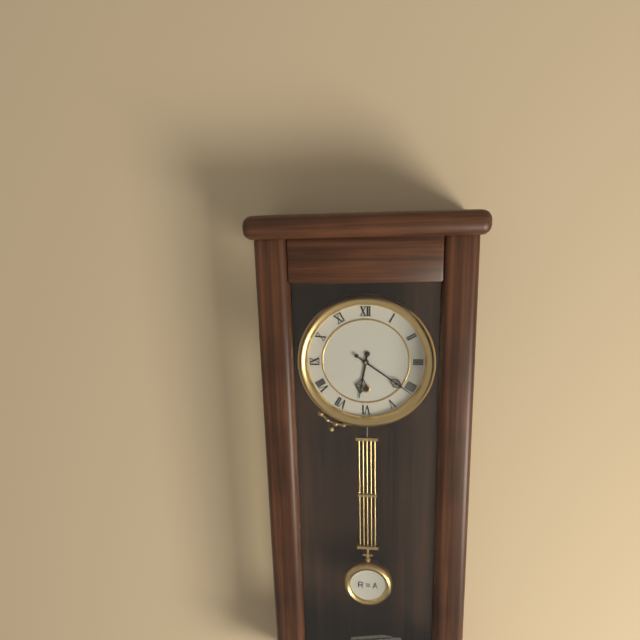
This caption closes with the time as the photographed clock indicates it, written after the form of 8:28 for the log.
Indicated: 6:21
